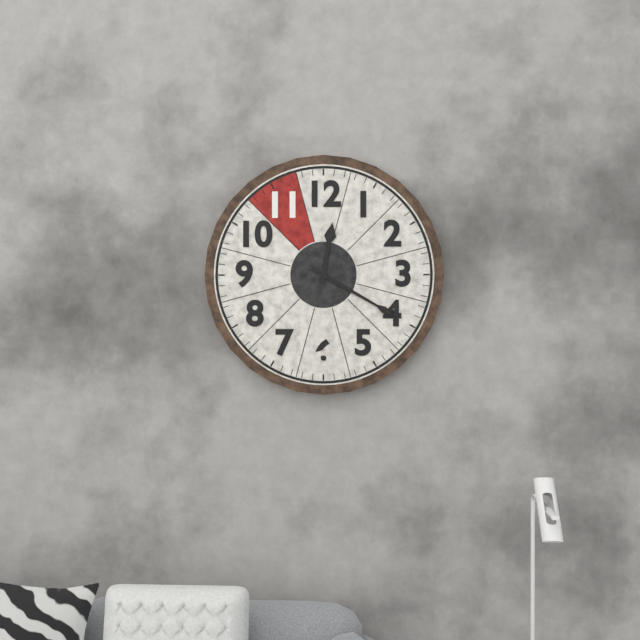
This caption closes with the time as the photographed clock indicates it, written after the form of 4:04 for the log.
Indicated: 12:20
